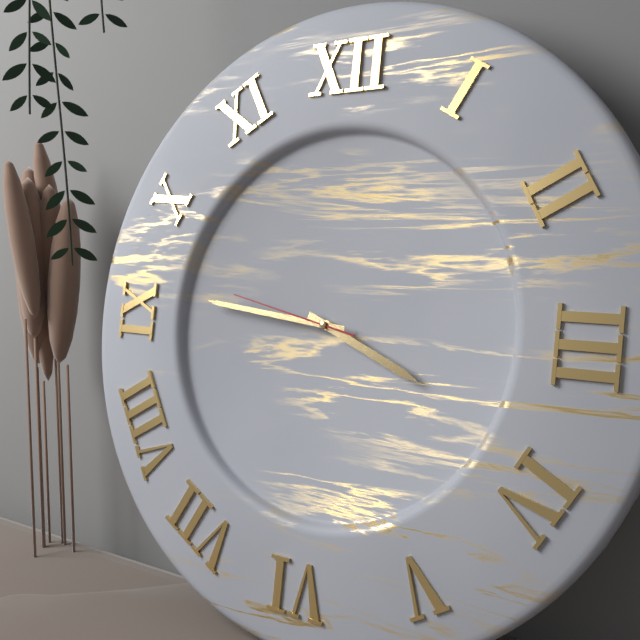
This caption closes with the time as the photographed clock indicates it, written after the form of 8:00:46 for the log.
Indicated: 3:46:47
